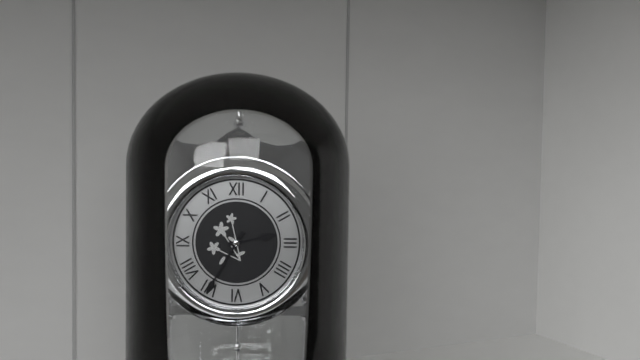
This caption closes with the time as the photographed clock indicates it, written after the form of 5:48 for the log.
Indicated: 2:35
